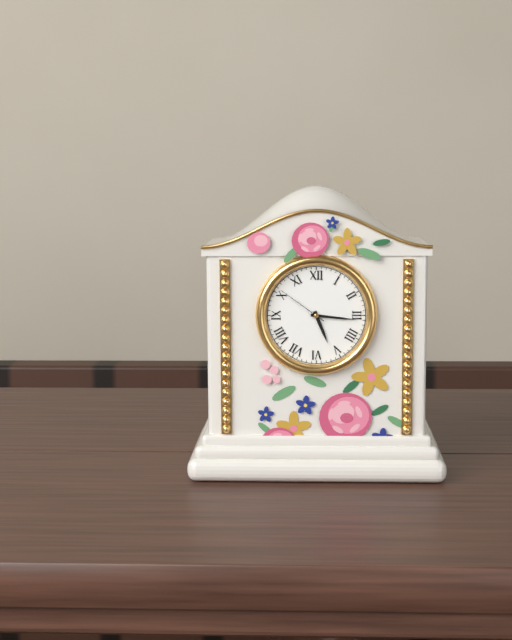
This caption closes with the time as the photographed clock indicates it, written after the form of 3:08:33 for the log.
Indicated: 5:16:51
